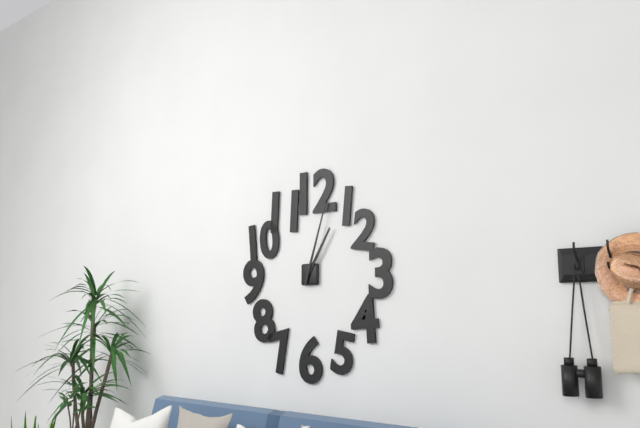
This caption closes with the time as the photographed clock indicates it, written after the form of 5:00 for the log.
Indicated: 1:03
